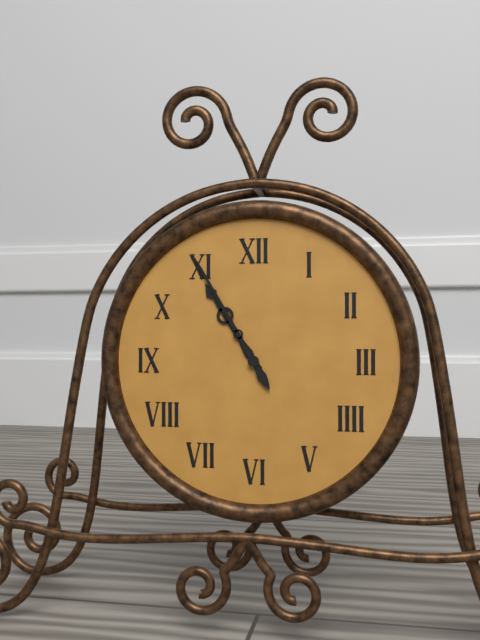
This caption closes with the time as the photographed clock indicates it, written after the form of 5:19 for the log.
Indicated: 10:55
